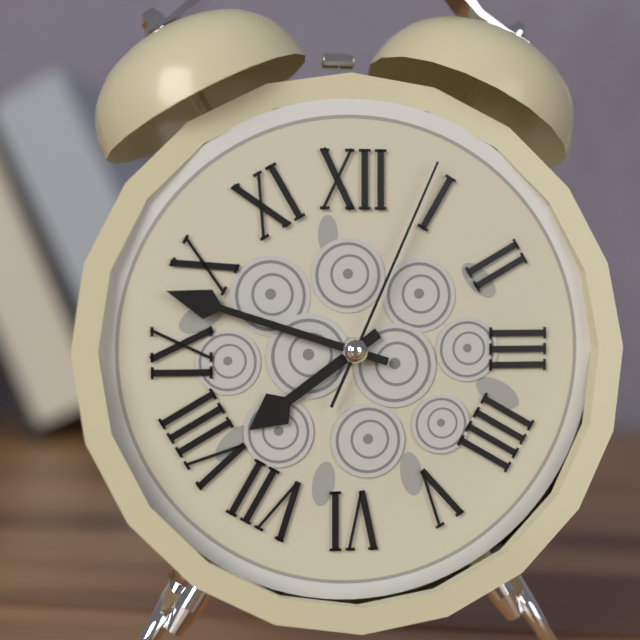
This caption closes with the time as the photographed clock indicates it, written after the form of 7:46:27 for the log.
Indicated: 7:48:04
